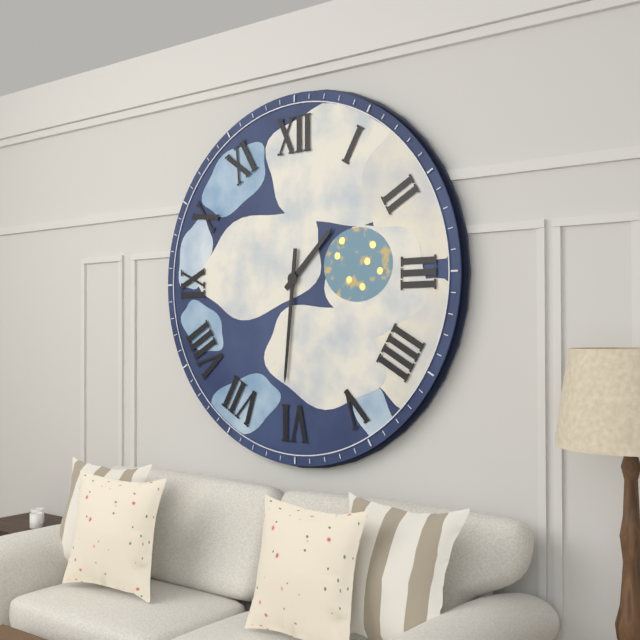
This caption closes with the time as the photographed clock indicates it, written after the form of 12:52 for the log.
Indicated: 1:31
